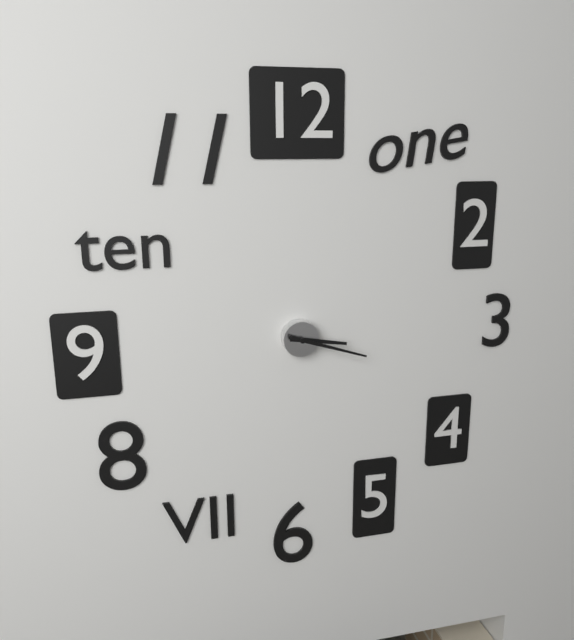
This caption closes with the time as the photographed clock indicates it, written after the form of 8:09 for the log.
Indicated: 3:18
